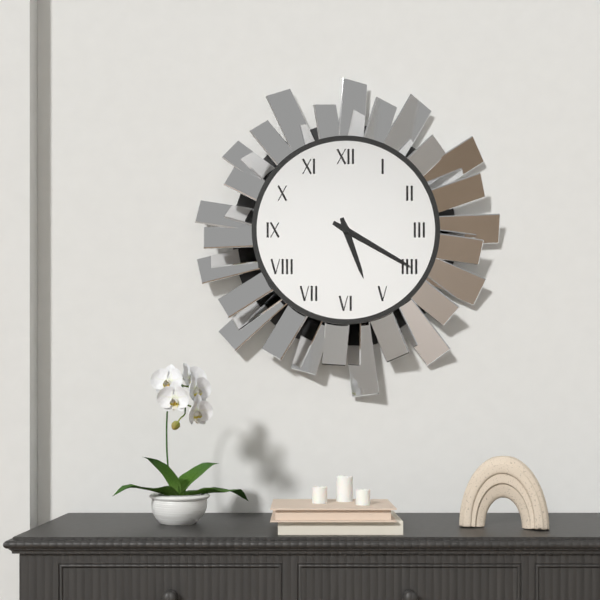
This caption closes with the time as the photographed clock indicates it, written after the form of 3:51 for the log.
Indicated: 5:20
